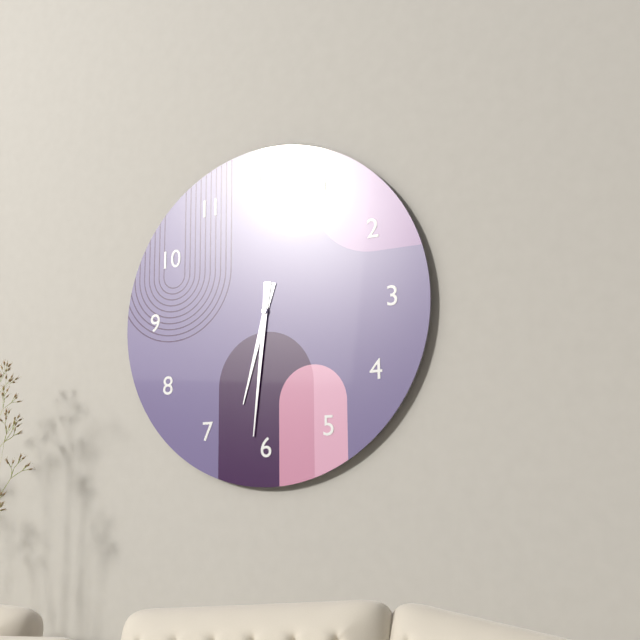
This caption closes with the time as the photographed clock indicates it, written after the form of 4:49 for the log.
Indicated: 6:31
